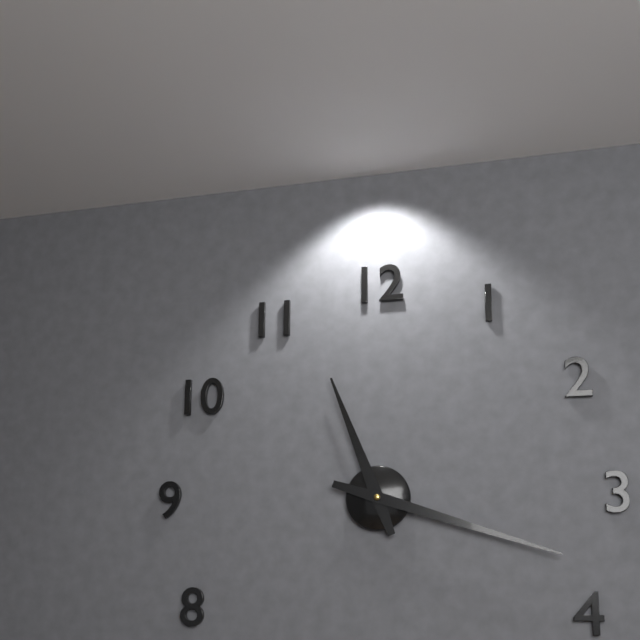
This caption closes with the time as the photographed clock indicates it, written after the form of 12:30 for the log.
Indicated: 11:18
